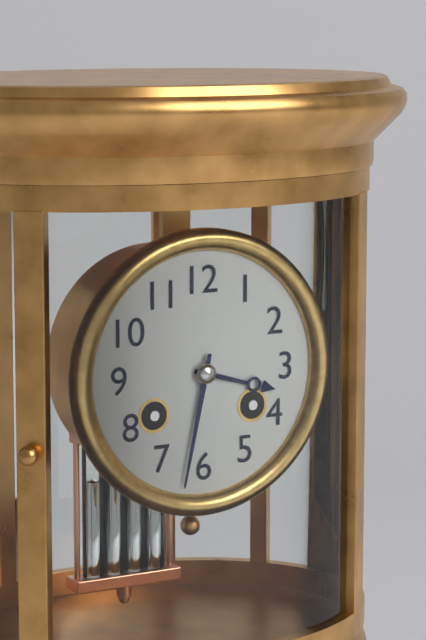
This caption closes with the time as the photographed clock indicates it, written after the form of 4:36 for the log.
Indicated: 3:32
